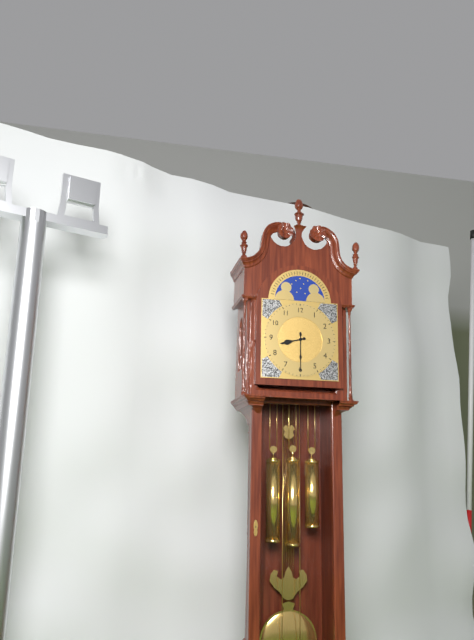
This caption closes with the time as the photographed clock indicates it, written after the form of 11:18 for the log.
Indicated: 8:30
